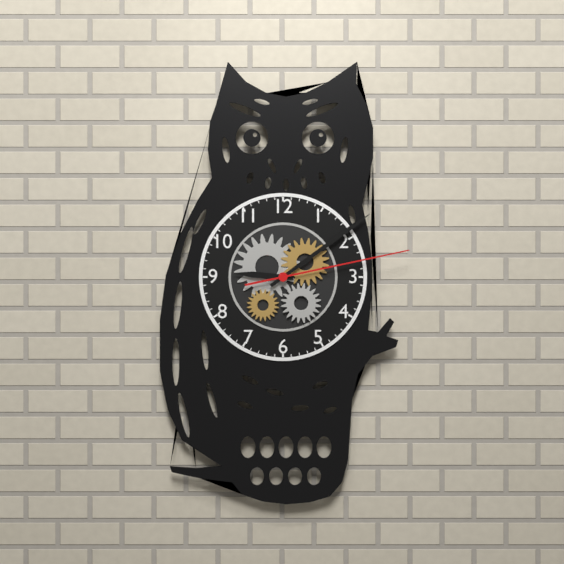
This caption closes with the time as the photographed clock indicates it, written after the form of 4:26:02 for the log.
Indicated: 9:09:13
